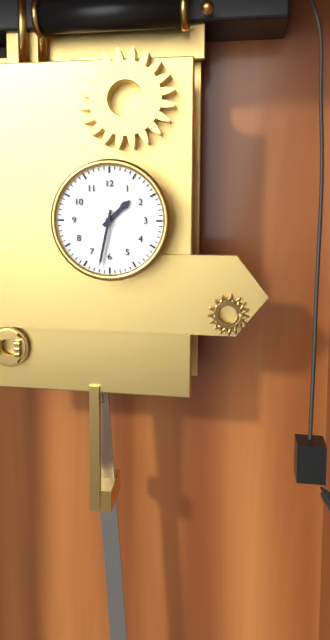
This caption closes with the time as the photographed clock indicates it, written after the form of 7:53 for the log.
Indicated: 1:32
